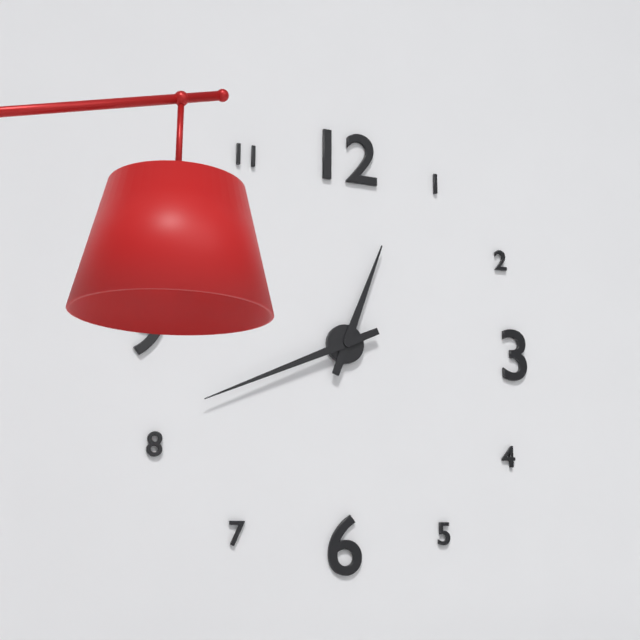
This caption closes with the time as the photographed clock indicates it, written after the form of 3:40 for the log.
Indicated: 12:41
